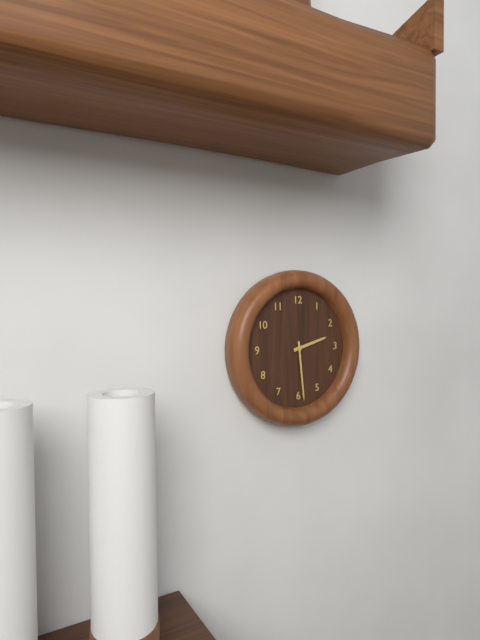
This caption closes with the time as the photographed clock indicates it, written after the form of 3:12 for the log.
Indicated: 2:29
